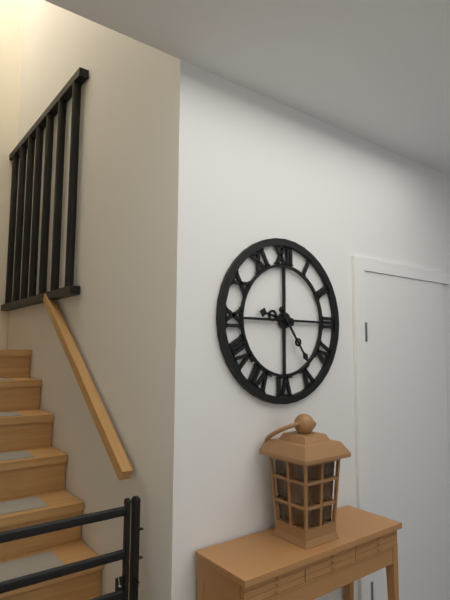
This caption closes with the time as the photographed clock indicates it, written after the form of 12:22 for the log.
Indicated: 9:24
